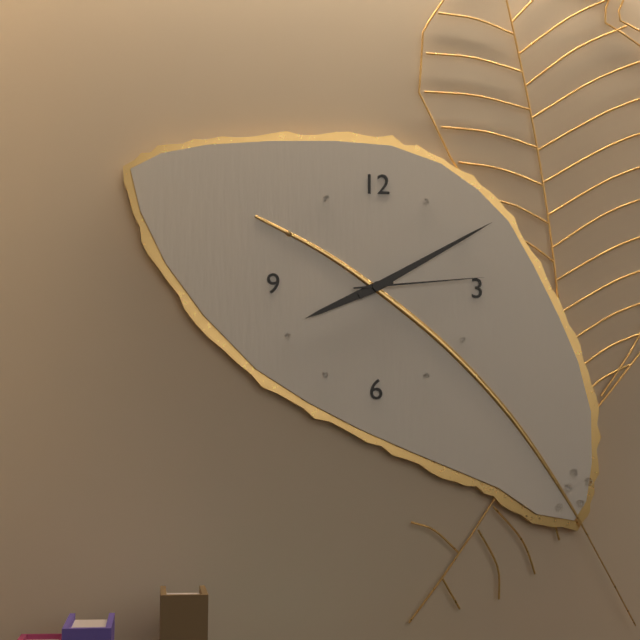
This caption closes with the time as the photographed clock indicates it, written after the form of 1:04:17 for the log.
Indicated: 8:10:14
